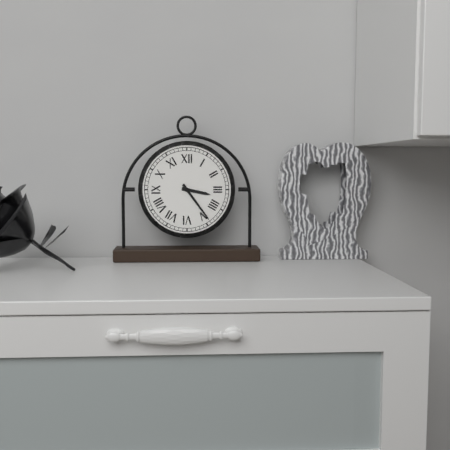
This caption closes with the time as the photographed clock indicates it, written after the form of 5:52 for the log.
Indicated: 3:24
